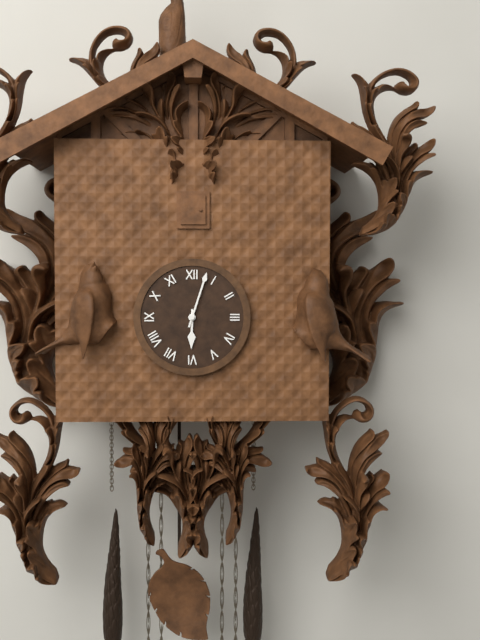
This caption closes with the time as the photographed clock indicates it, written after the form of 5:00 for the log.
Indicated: 6:03
